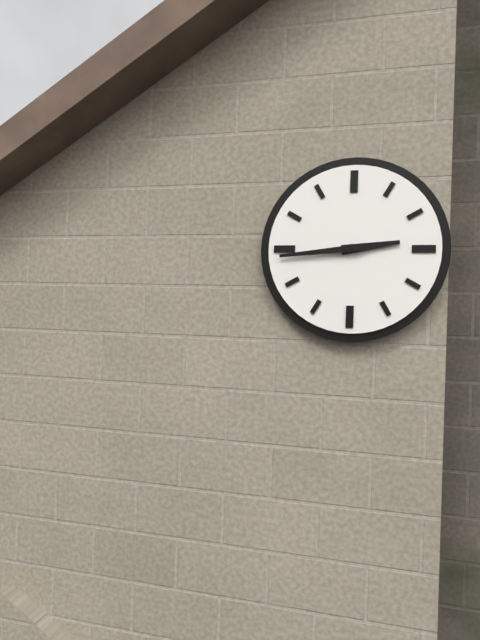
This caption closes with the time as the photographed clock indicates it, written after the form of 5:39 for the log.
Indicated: 2:44
